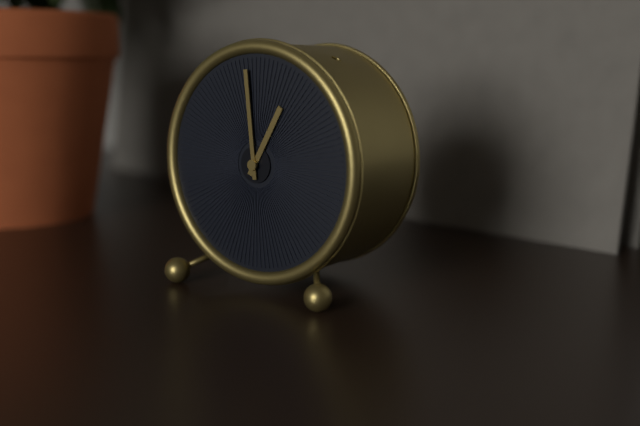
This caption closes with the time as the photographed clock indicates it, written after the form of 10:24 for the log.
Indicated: 12:59
